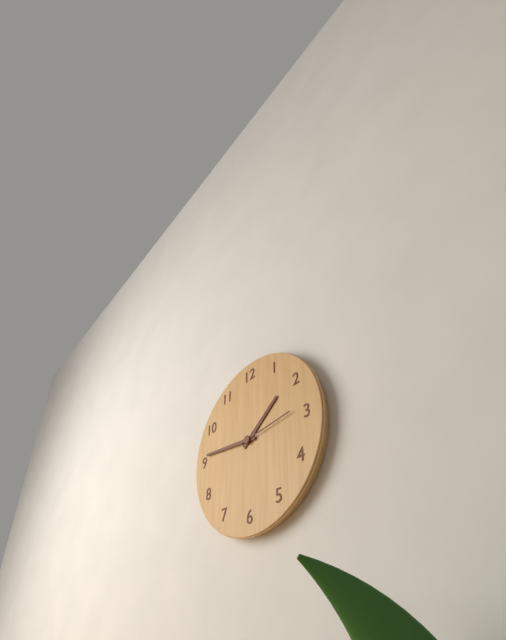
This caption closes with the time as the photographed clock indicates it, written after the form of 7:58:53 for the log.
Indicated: 1:46:14
